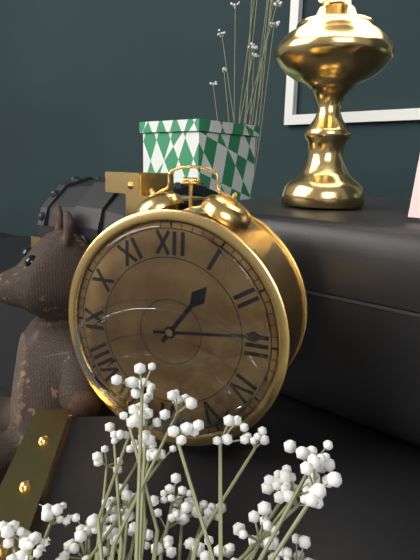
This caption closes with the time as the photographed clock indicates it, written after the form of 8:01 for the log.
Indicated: 1:14
